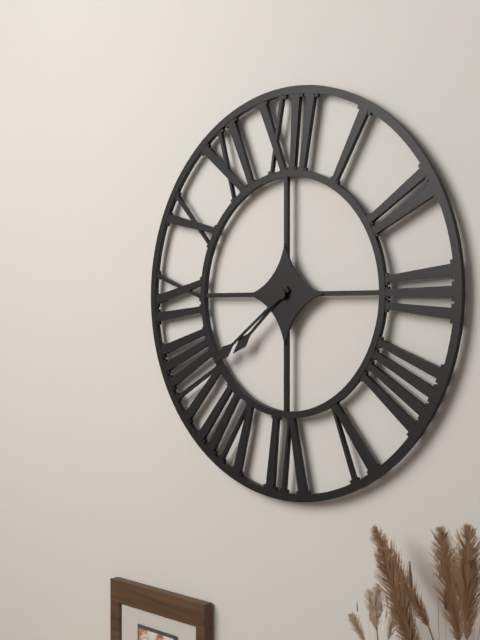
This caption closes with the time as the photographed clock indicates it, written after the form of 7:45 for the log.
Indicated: 7:39
